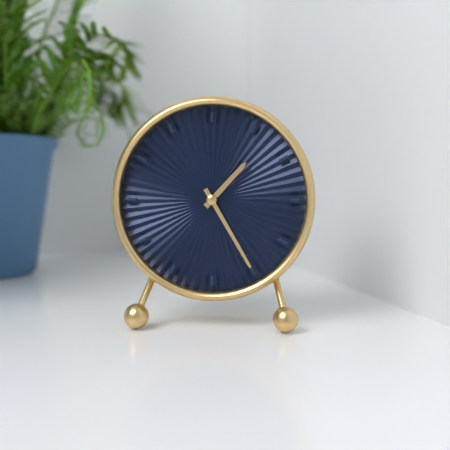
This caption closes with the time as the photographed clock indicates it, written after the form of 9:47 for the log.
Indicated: 1:25
